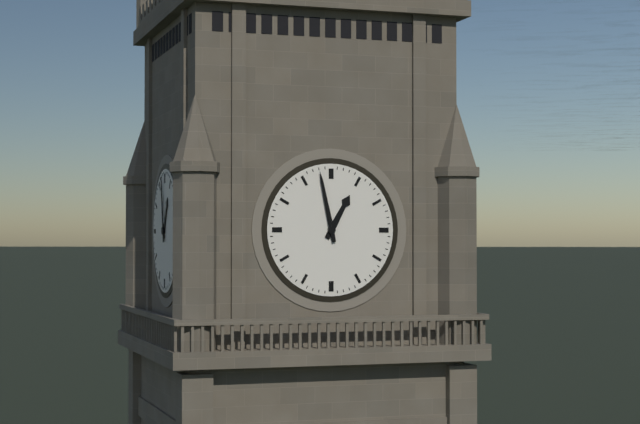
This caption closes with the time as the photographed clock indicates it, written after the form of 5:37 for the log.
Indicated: 12:58
